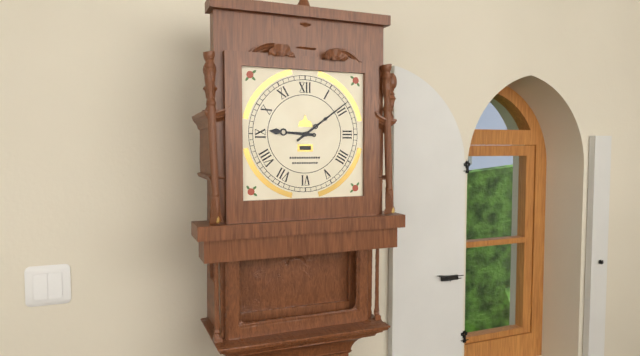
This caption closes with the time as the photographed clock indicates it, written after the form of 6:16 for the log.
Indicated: 9:09
